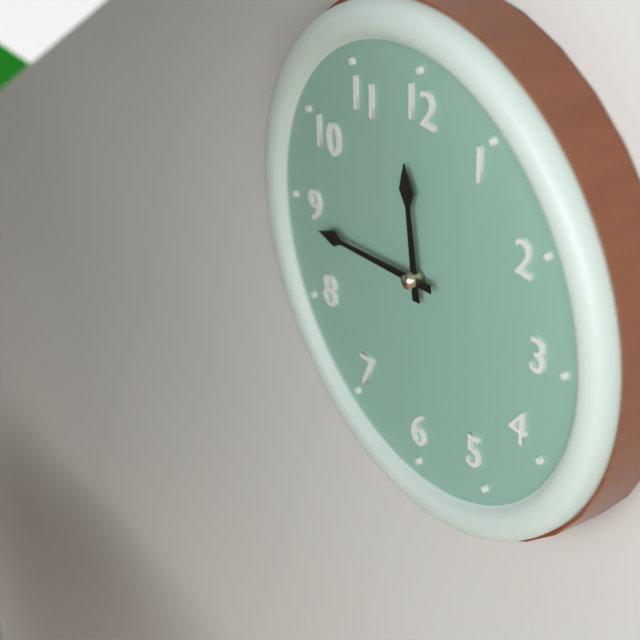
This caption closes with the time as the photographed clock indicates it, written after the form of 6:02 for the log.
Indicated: 11:44
